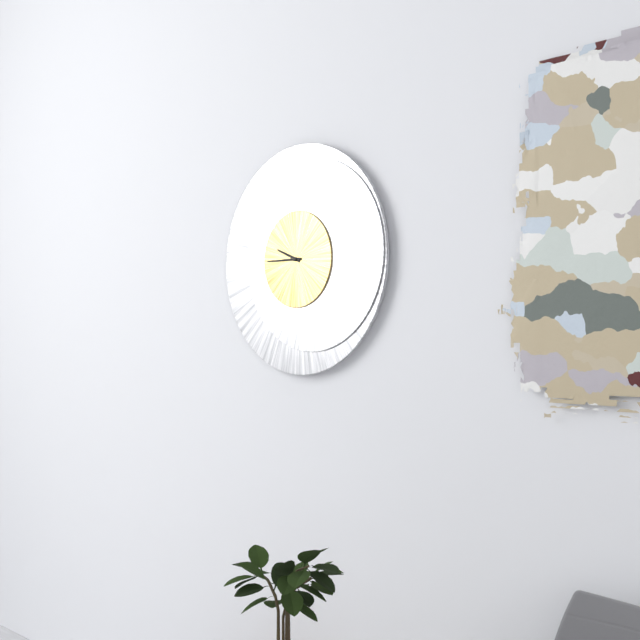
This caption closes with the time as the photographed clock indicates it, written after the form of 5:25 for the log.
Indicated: 9:45
